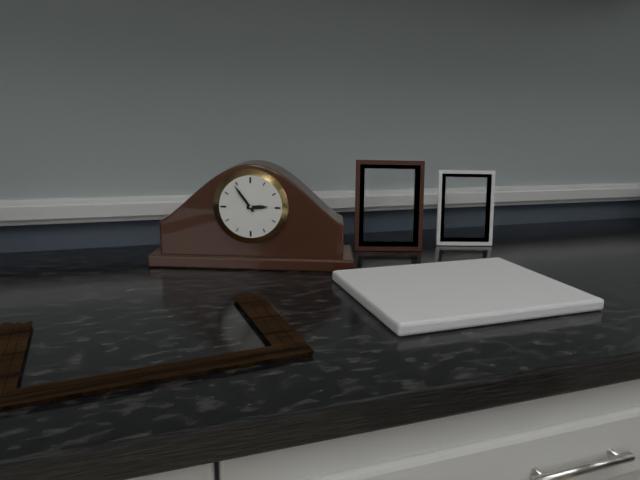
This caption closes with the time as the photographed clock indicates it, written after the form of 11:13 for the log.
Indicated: 2:54
